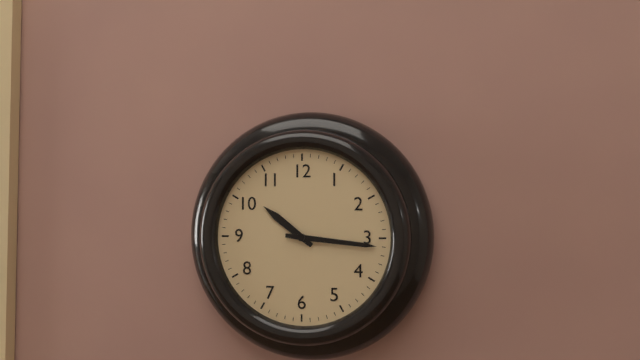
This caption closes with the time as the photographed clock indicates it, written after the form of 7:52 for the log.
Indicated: 10:16
